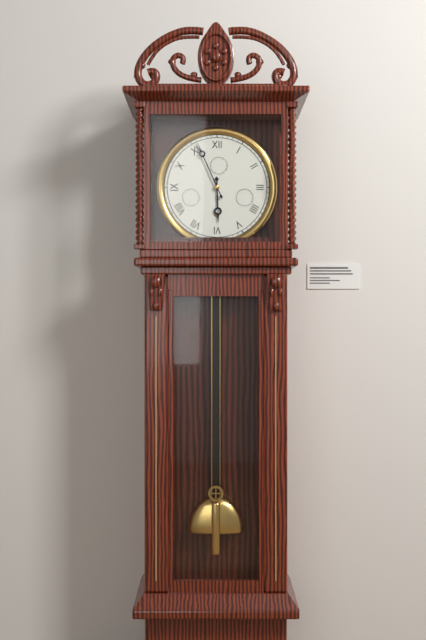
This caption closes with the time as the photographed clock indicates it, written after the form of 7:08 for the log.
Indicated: 5:56
